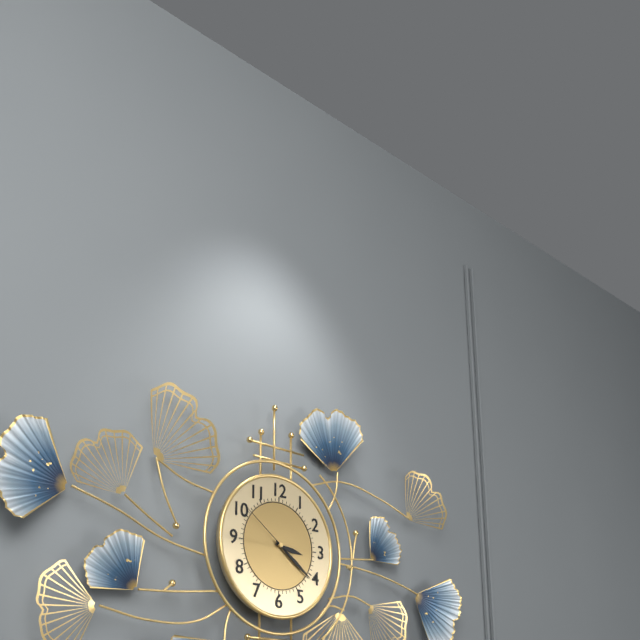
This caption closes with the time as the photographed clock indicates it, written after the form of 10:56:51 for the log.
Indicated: 3:21:51
